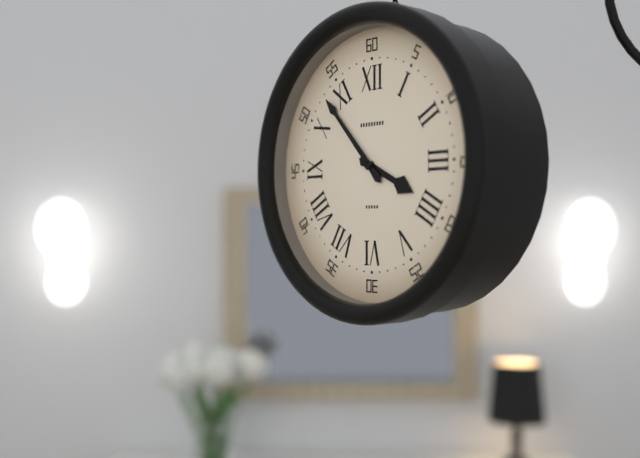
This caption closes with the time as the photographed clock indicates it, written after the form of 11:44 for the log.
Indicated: 3:53
